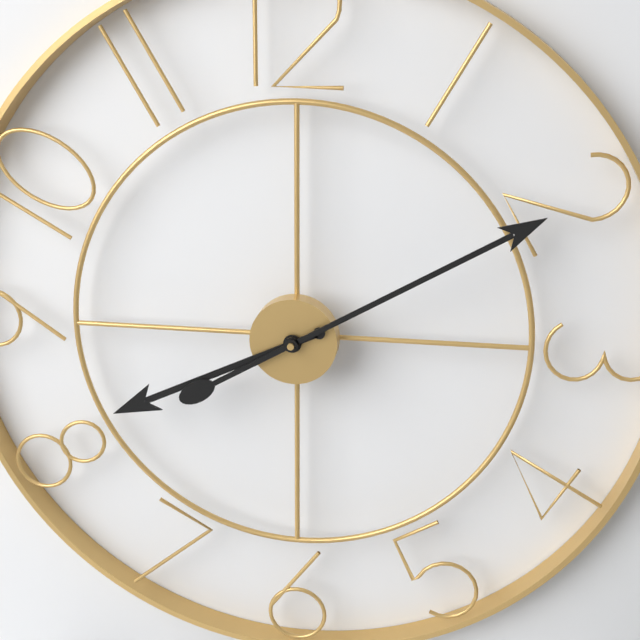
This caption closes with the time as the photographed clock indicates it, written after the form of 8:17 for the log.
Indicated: 8:10
